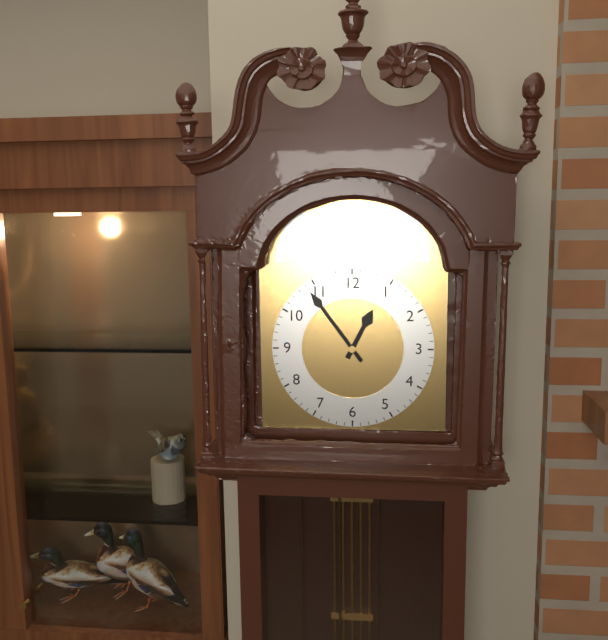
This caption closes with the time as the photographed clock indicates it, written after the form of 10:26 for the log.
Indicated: 12:54
